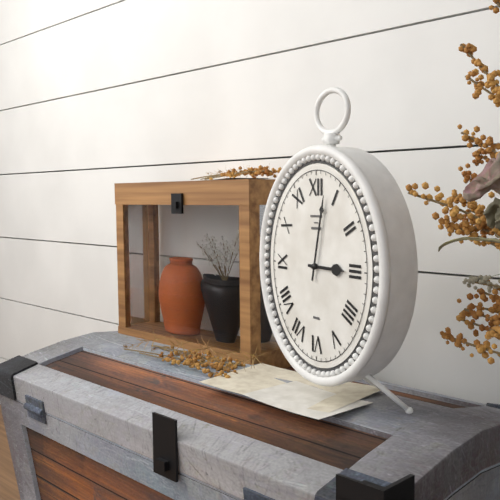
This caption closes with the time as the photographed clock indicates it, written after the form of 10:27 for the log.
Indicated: 3:02
